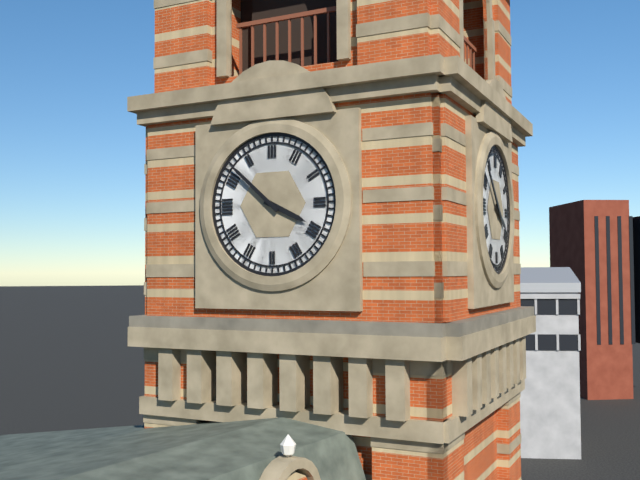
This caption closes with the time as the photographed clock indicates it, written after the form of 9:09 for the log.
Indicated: 3:52
